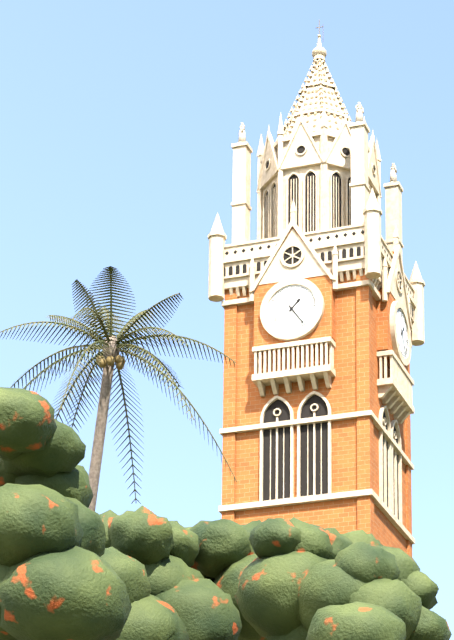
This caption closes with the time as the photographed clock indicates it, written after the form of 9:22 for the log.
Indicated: 1:24
